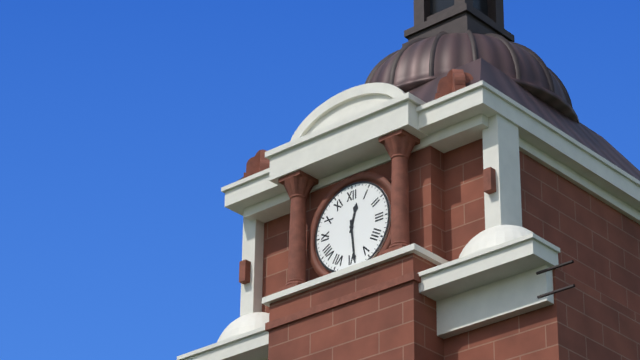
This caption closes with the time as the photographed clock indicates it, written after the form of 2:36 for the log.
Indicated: 12:29
